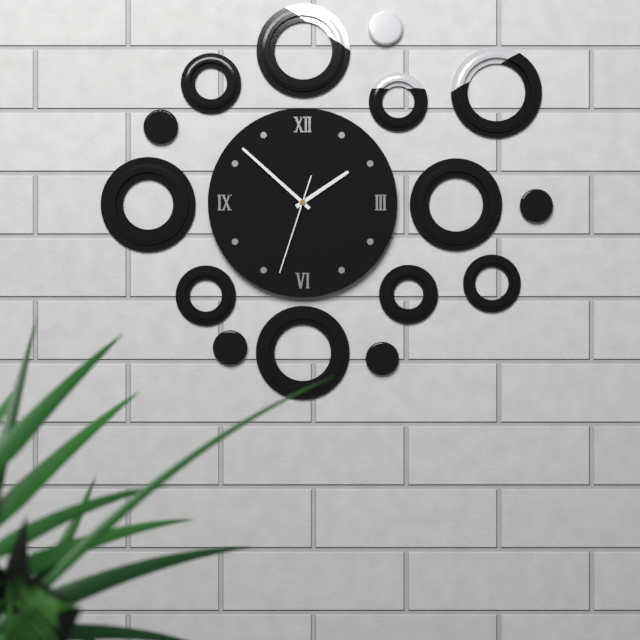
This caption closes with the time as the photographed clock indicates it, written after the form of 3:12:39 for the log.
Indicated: 1:52:33
